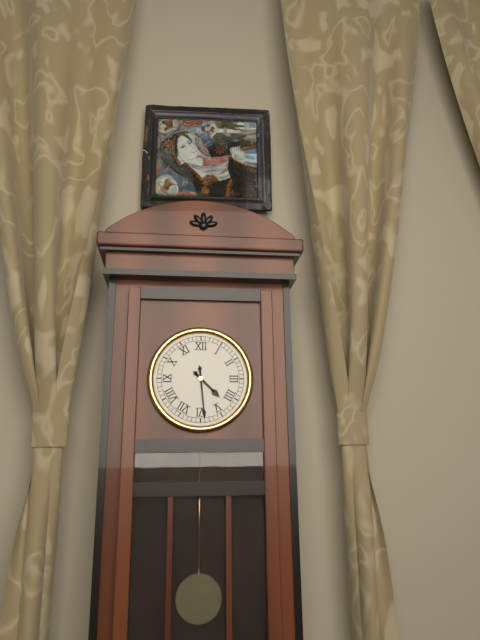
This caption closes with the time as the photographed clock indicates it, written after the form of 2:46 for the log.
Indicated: 4:29
